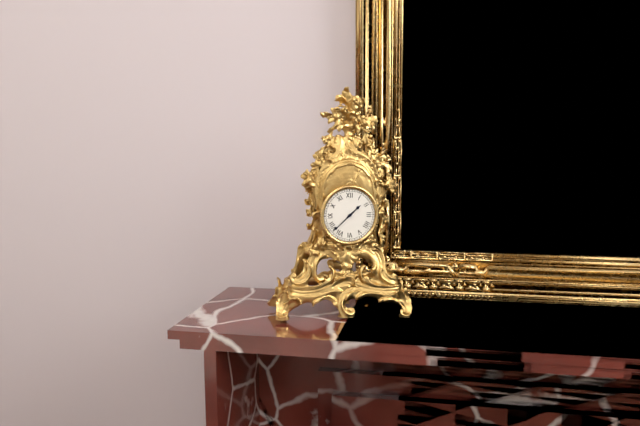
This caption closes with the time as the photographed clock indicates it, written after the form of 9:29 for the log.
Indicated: 1:38
